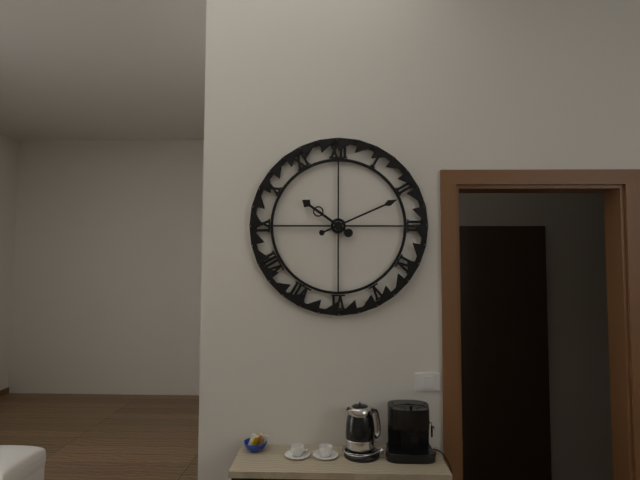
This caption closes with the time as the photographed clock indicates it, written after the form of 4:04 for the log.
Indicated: 10:11
